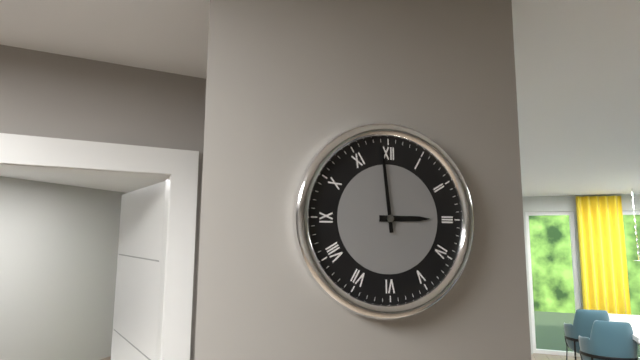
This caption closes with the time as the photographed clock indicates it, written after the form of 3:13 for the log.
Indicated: 2:59
